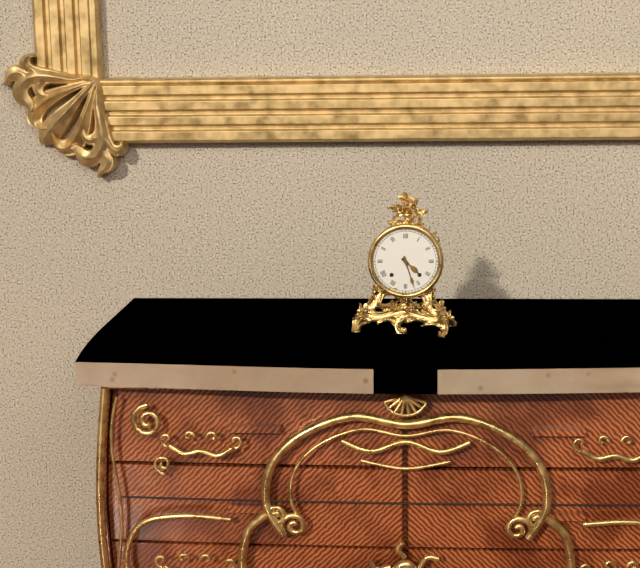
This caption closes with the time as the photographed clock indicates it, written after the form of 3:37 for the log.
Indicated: 4:27
